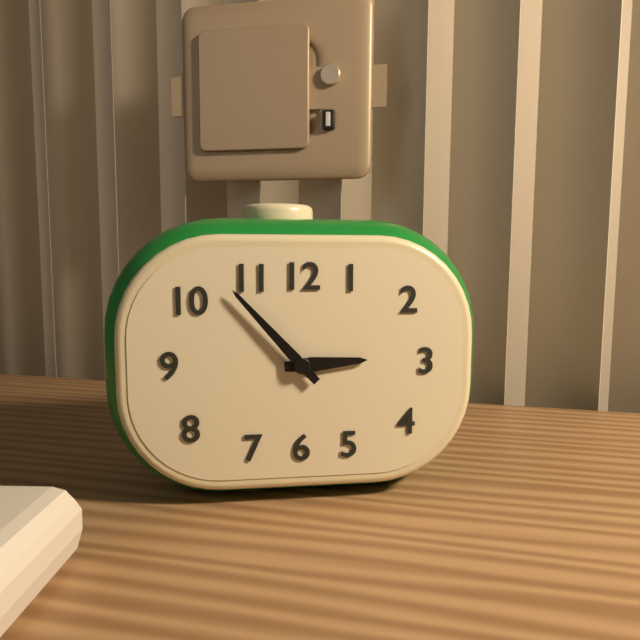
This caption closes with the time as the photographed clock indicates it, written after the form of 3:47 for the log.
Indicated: 2:53
